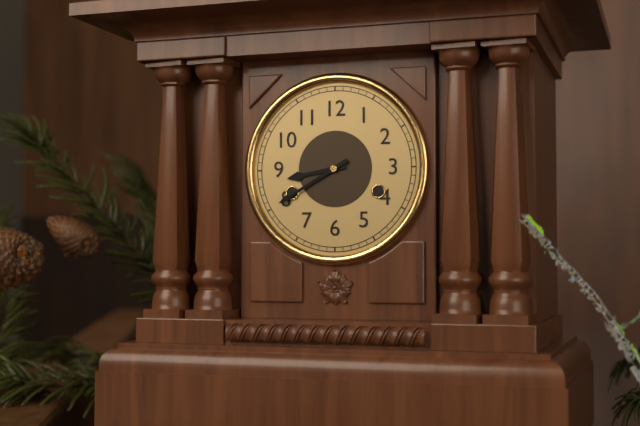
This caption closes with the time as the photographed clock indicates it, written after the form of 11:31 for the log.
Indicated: 8:40
